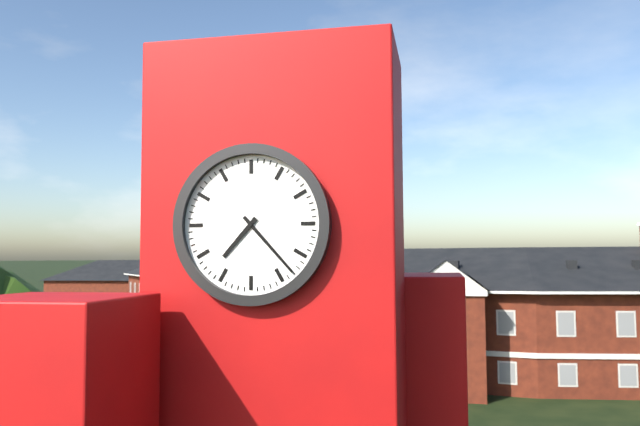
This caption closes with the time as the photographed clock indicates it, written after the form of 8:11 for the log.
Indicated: 7:23
